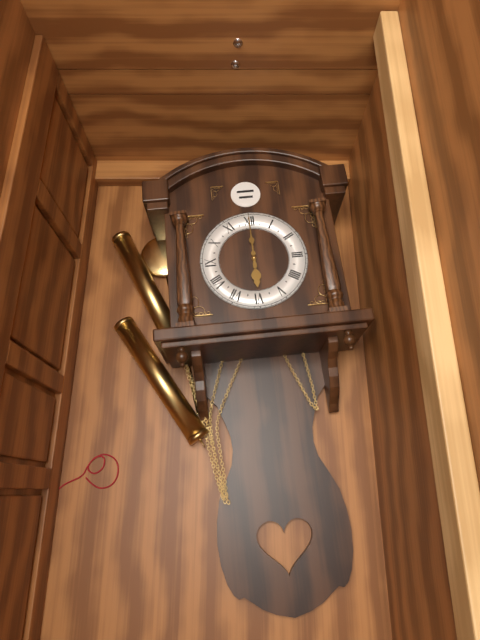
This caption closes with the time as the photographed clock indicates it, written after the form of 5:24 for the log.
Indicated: 6:00
